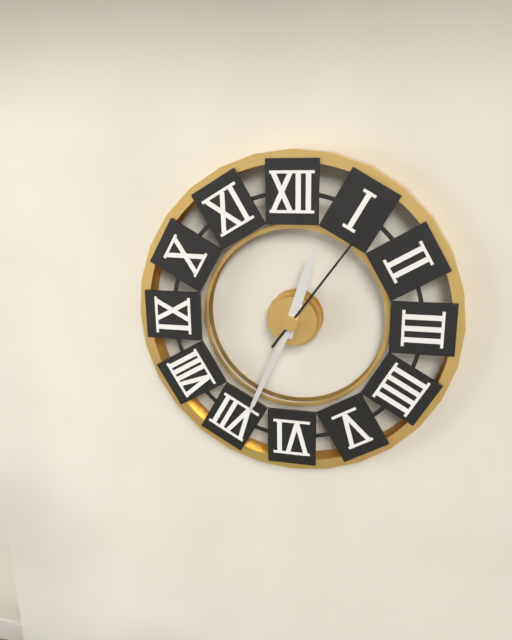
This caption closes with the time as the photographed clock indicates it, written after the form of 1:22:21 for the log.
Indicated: 12:34:06
